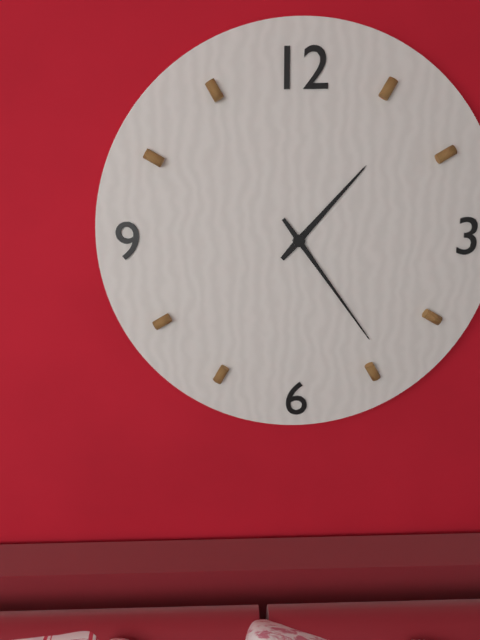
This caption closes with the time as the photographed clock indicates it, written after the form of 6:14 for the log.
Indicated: 1:24
